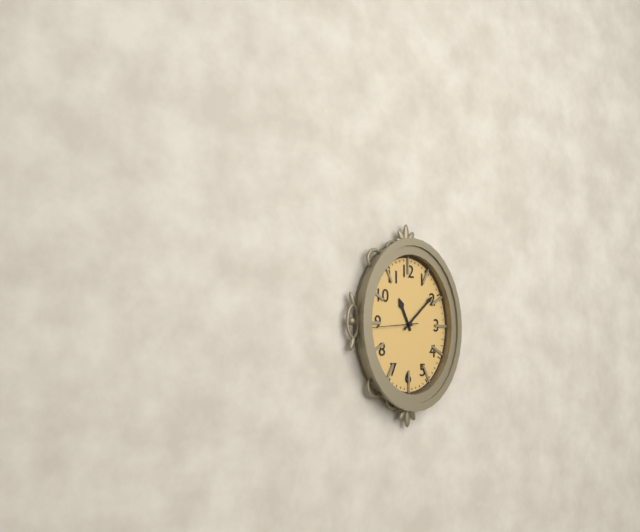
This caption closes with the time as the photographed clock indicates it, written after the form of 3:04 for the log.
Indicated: 11:08
